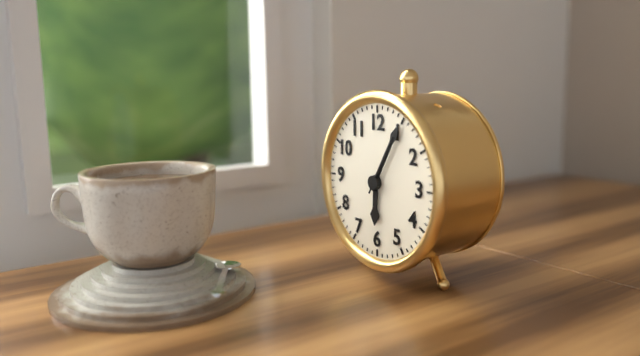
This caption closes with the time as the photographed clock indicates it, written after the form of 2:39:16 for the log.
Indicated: 6:05:05
